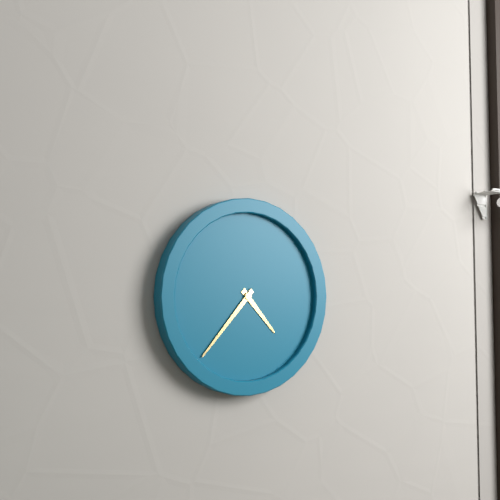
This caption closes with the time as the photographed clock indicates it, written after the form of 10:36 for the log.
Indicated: 4:37
